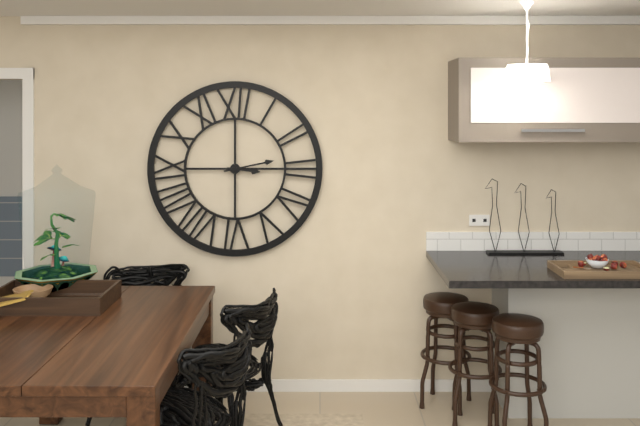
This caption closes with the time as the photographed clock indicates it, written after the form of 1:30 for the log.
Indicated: 3:13
